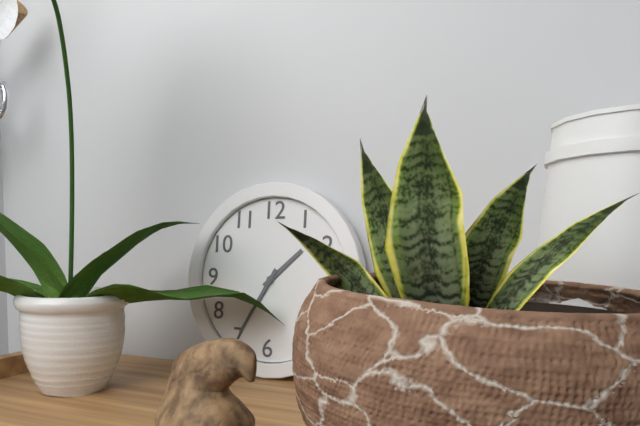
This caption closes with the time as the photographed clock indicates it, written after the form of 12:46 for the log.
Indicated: 1:35
